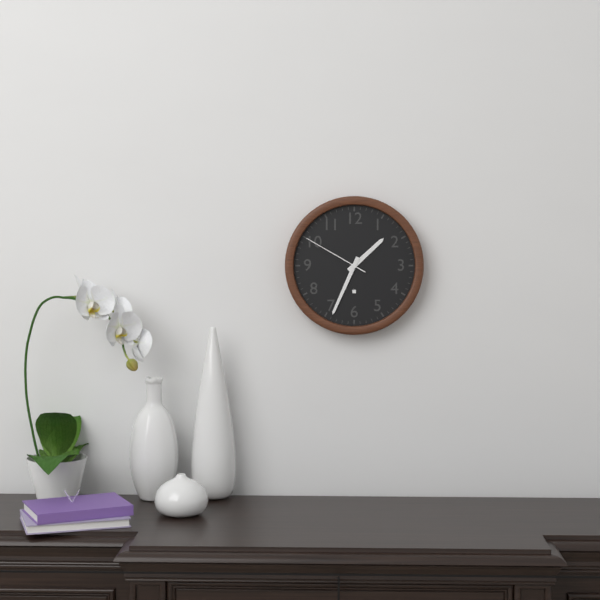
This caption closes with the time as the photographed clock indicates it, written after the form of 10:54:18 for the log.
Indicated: 1:34:50
